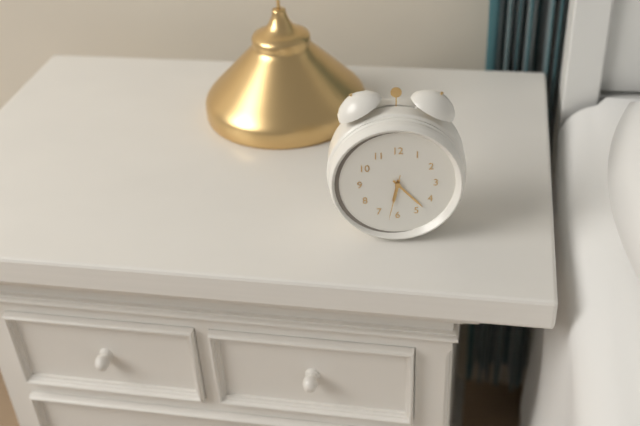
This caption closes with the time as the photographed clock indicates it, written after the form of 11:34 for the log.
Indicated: 6:23
